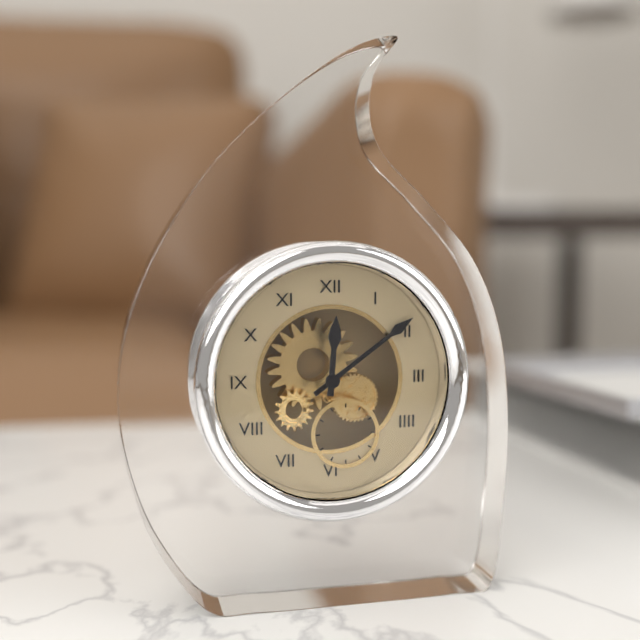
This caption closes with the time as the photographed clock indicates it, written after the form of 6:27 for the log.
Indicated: 12:09
